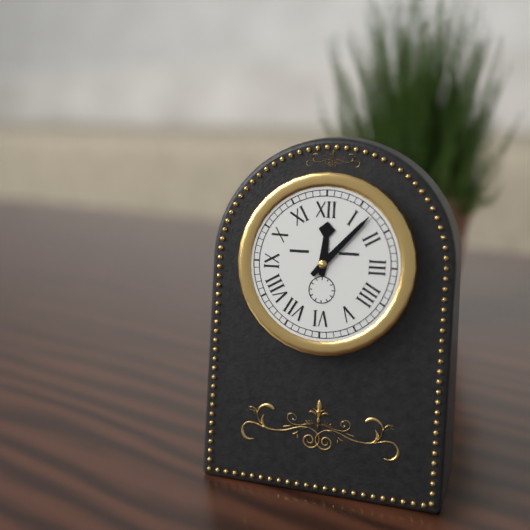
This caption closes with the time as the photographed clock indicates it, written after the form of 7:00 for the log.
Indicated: 12:07
